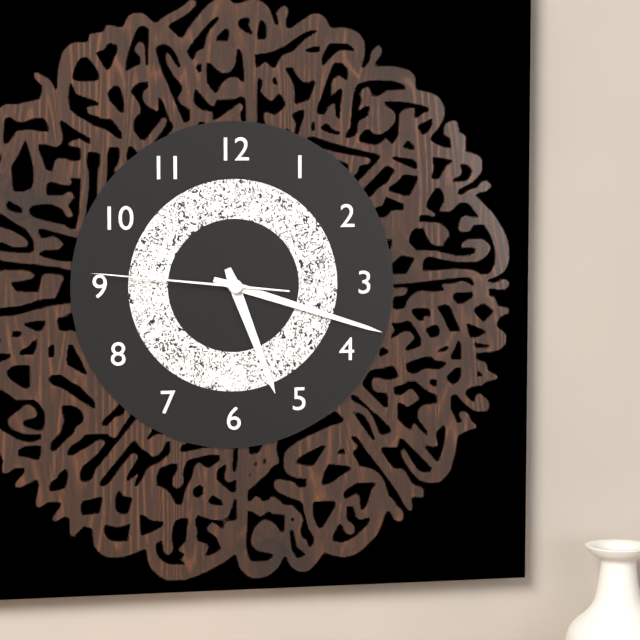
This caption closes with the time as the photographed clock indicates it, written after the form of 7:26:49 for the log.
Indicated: 5:18:46
